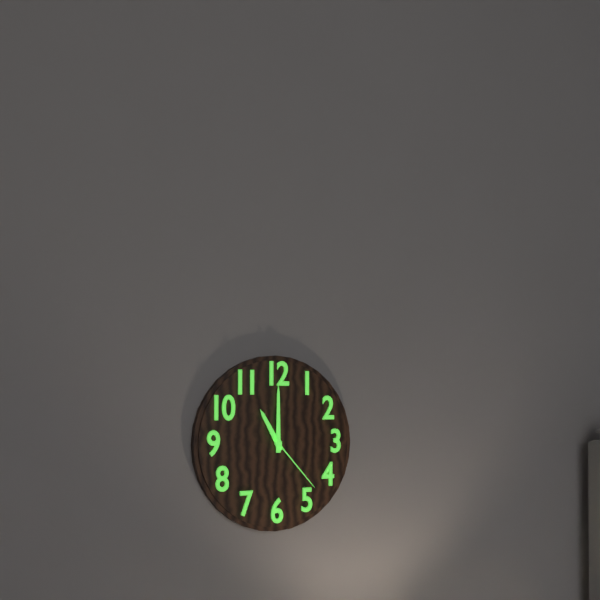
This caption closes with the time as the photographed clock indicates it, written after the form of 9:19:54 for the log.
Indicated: 11:00:23
